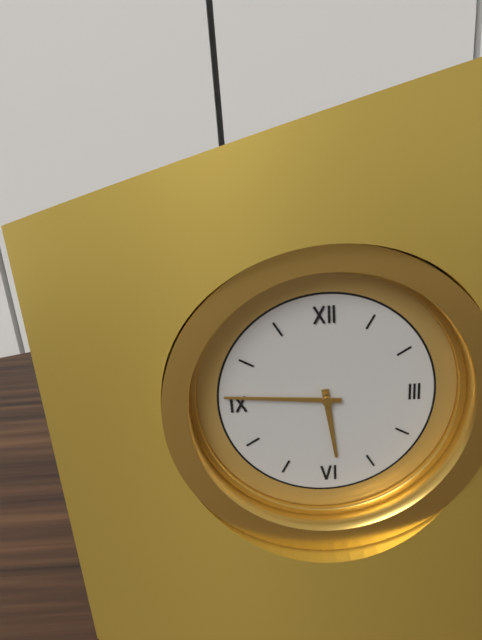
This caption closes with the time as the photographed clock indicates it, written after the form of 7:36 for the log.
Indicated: 5:46
